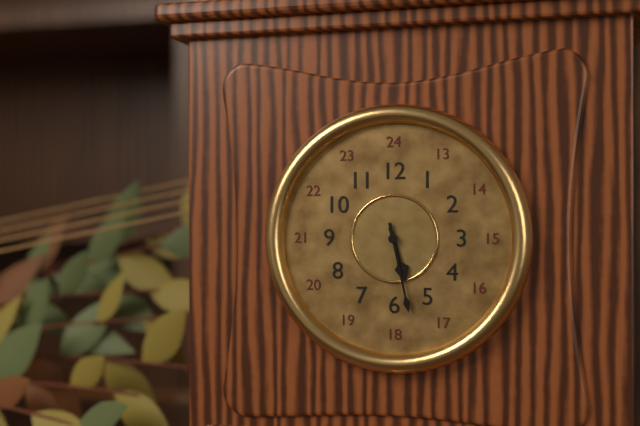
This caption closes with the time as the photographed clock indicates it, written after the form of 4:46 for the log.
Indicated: 5:28
